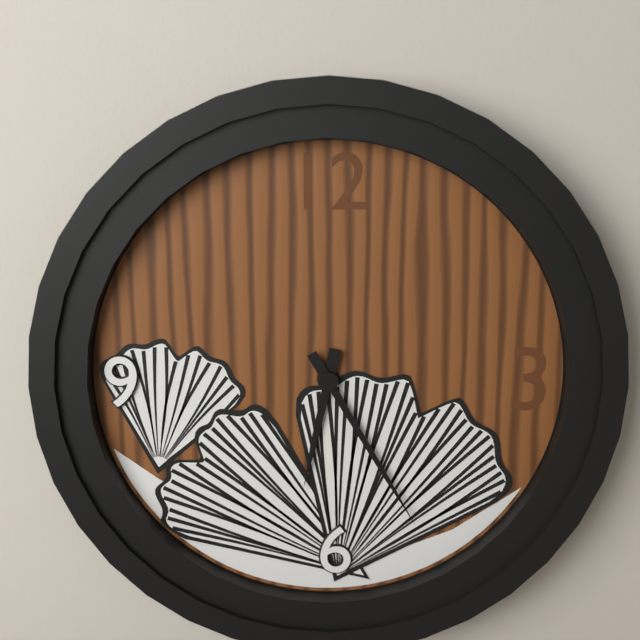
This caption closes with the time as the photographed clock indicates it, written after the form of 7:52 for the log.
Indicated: 6:25
